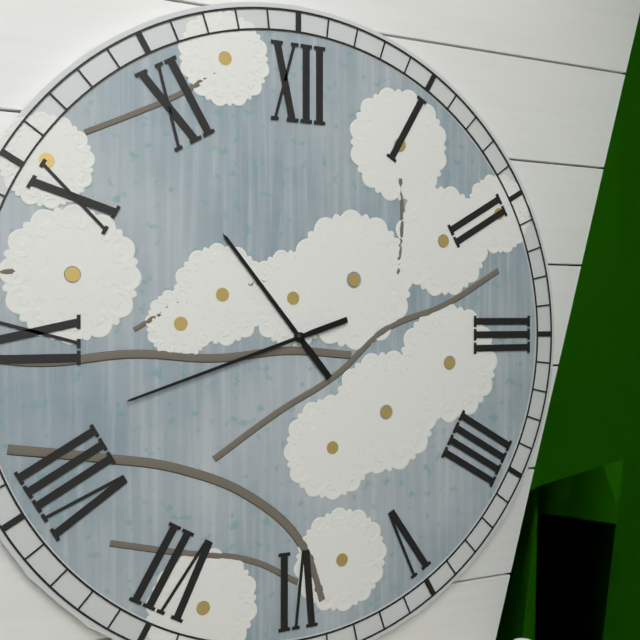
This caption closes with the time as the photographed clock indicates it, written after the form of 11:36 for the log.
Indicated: 10:42
